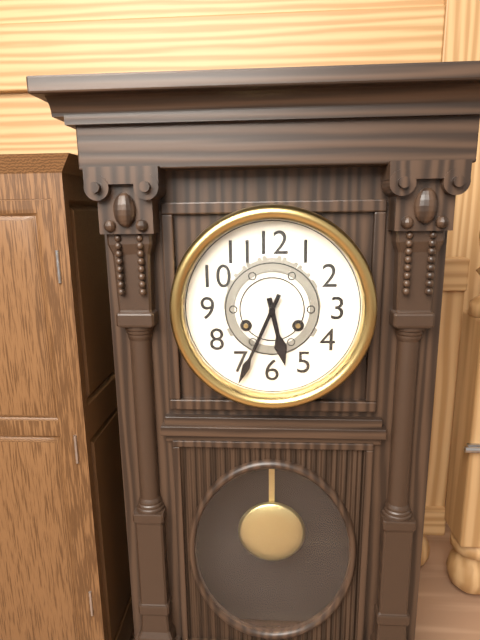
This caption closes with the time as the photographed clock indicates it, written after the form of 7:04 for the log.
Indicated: 5:34
